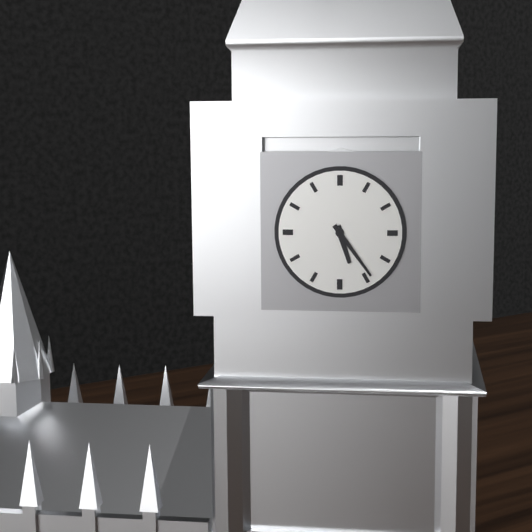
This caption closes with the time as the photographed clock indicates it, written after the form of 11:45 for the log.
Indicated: 5:24
